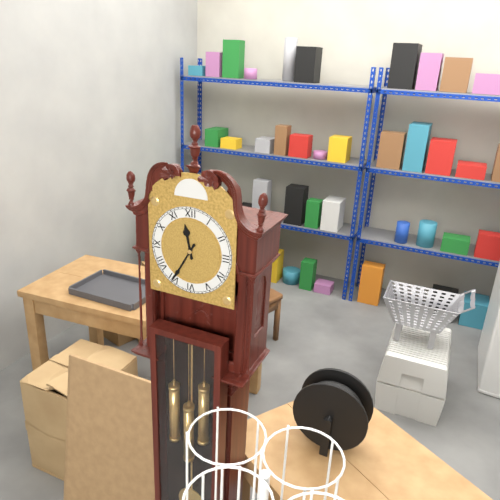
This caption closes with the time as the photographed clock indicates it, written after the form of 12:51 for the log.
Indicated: 11:35
